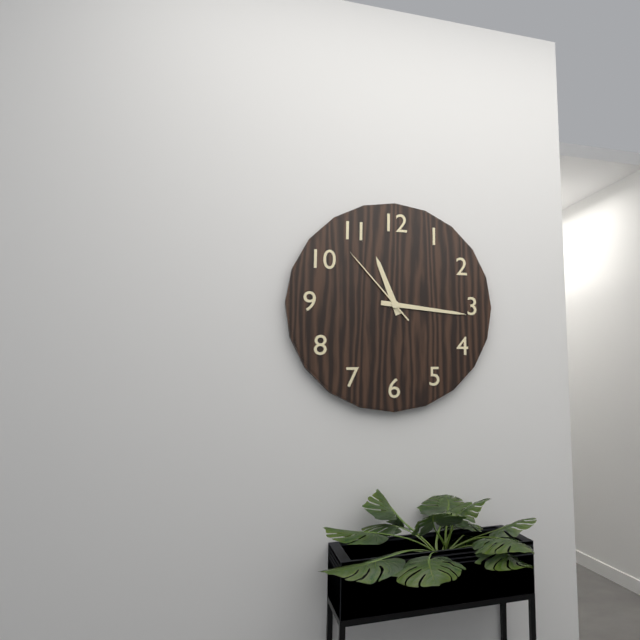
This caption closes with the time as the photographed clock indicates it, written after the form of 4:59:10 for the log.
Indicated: 11:16:53
